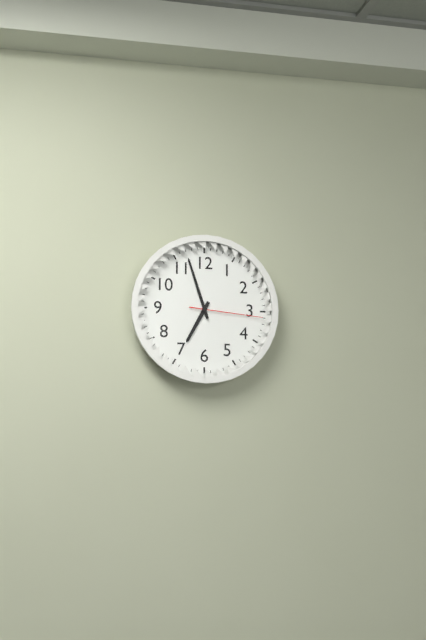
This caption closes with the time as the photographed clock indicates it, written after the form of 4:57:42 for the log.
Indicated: 6:57:16
